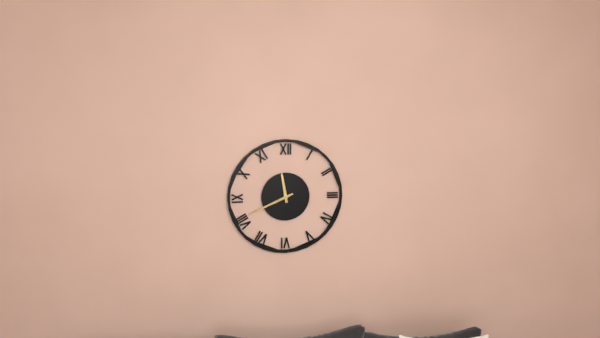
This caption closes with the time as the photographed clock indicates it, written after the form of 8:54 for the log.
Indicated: 11:41
